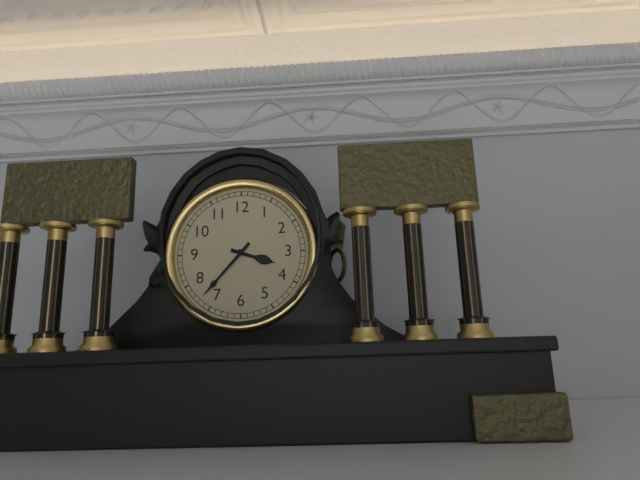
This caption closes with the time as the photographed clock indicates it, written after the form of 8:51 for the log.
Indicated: 3:37
